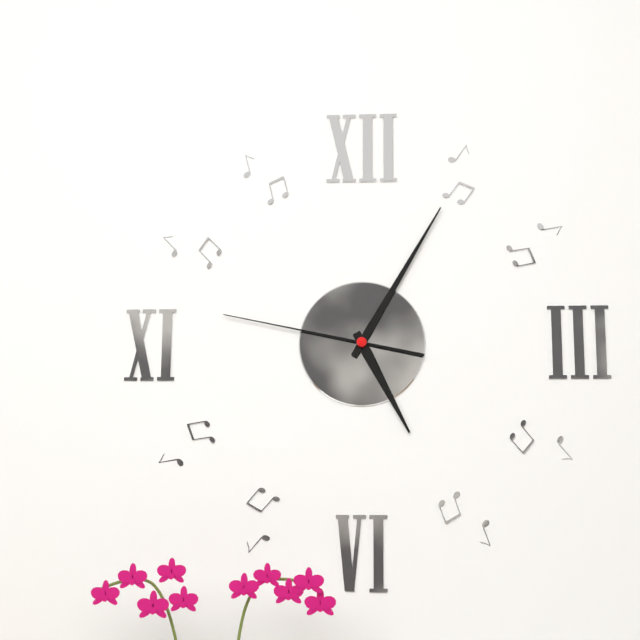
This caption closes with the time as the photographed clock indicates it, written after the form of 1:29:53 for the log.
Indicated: 5:05:47
